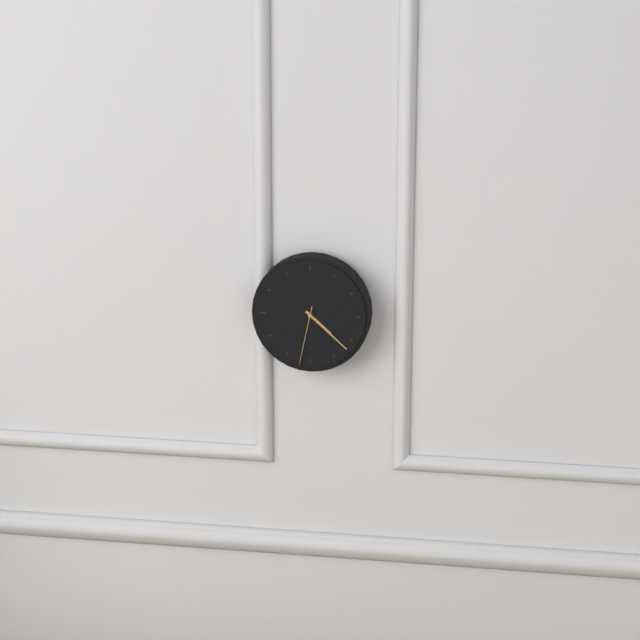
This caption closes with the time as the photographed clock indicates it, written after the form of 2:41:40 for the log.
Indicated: 4:22:32
